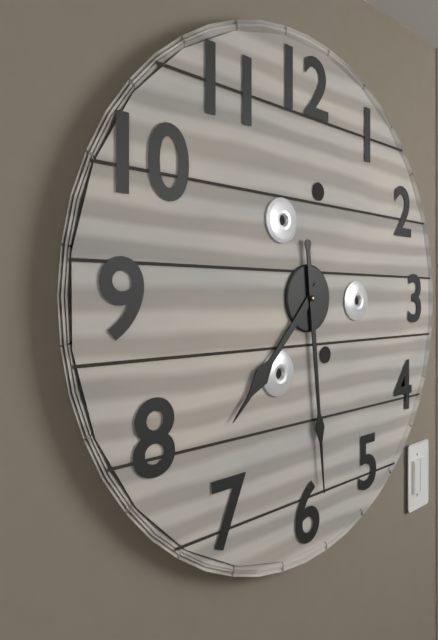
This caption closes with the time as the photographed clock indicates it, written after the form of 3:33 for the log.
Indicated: 7:29
